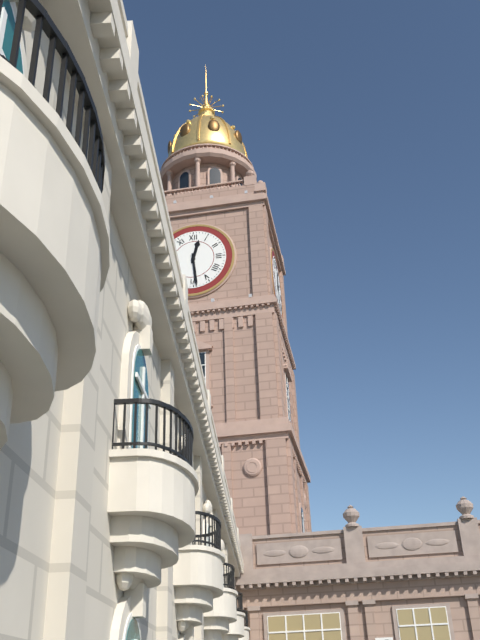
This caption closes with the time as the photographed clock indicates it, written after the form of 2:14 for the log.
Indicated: 12:29
